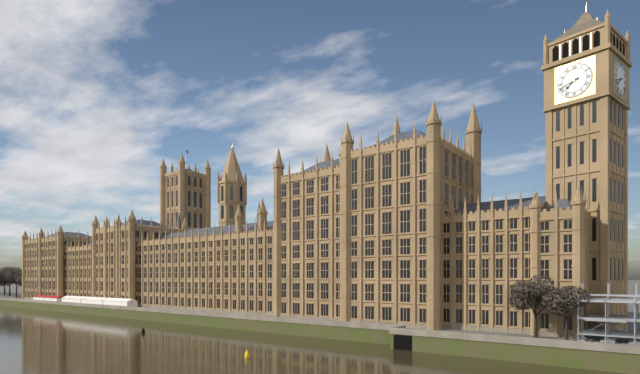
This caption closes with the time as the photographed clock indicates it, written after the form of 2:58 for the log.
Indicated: 7:42
